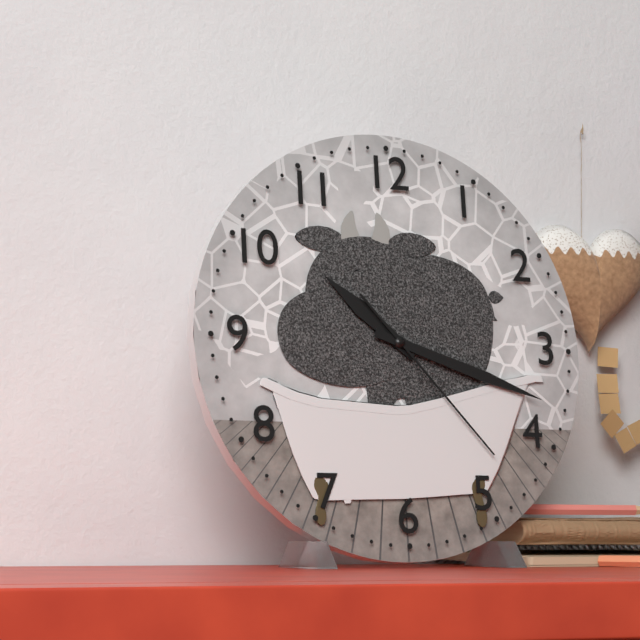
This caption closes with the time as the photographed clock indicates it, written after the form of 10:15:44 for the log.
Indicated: 10:18:23
